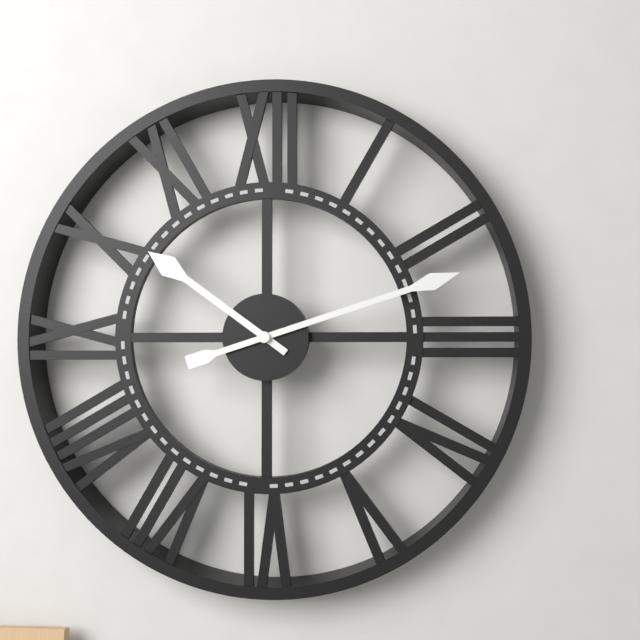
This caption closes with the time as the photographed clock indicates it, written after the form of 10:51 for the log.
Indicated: 10:12
